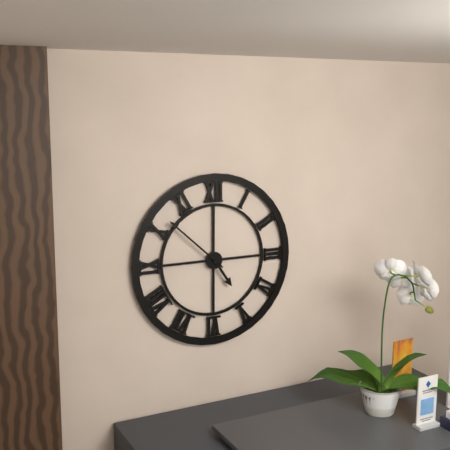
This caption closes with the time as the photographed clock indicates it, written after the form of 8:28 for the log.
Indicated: 4:52
